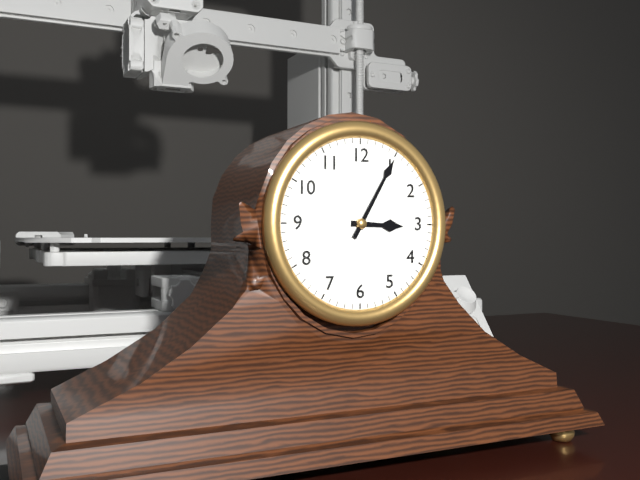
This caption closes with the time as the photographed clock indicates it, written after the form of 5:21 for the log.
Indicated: 3:05
